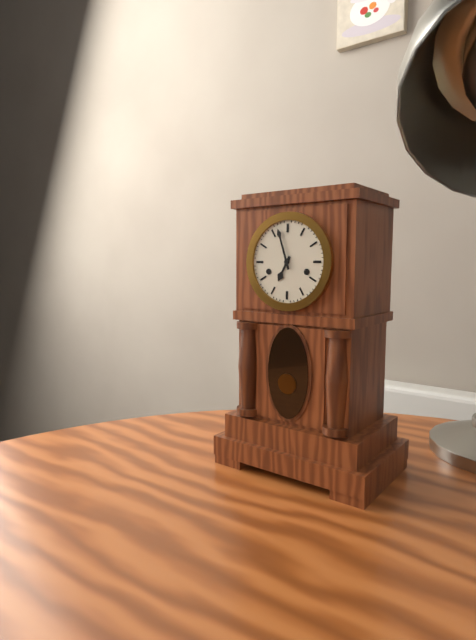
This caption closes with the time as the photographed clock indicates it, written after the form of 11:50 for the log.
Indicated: 6:57
